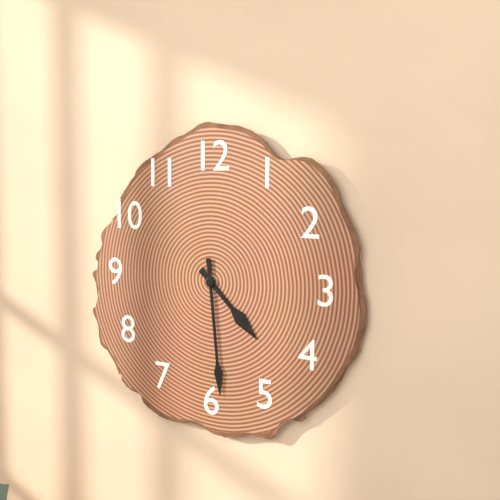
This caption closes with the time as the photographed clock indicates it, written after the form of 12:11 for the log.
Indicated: 4:29
